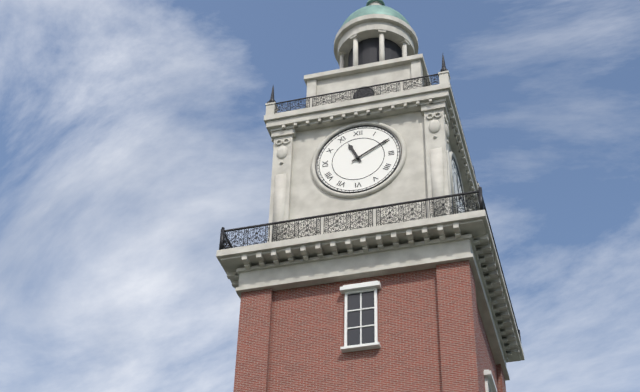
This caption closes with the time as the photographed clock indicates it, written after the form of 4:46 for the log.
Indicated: 11:10
